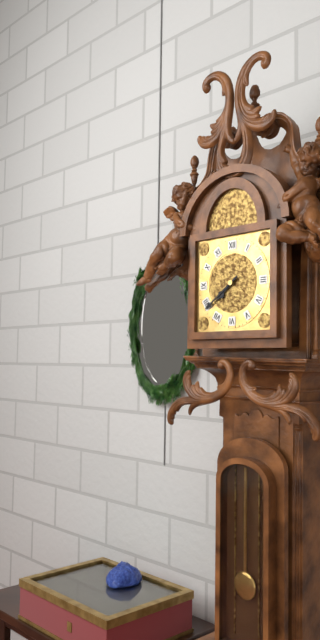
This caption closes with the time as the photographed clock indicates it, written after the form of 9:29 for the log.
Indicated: 7:39
